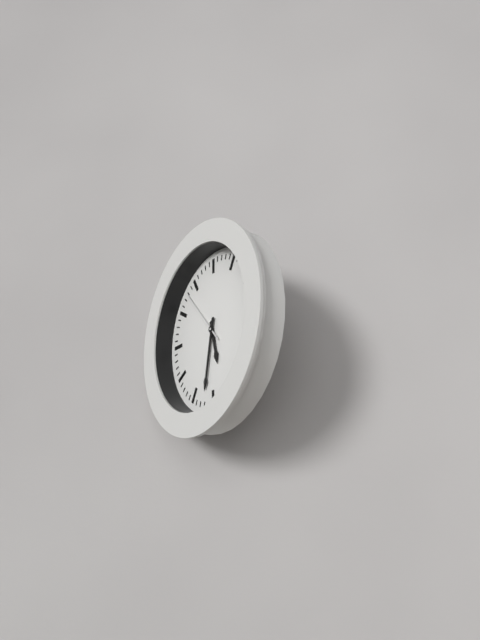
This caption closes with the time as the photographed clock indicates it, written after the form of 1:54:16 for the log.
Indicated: 5:32:53
